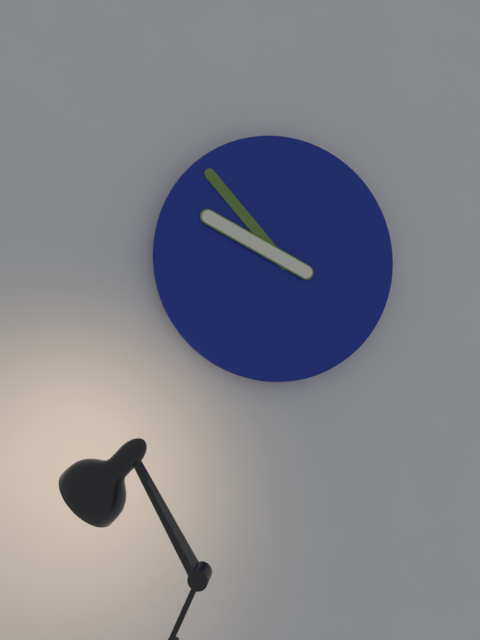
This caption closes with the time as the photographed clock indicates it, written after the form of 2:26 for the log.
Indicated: 9:53
